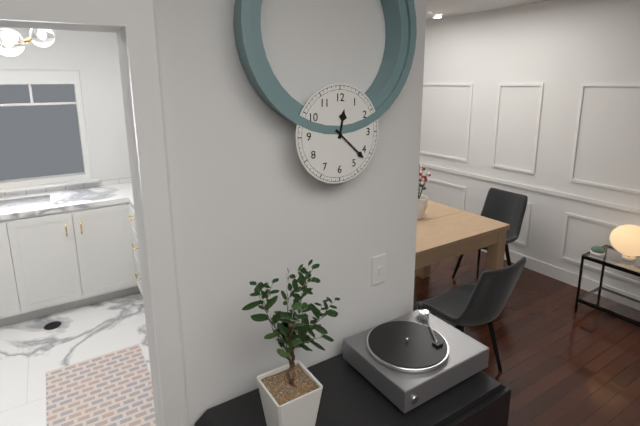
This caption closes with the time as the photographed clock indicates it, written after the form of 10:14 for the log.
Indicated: 12:22
